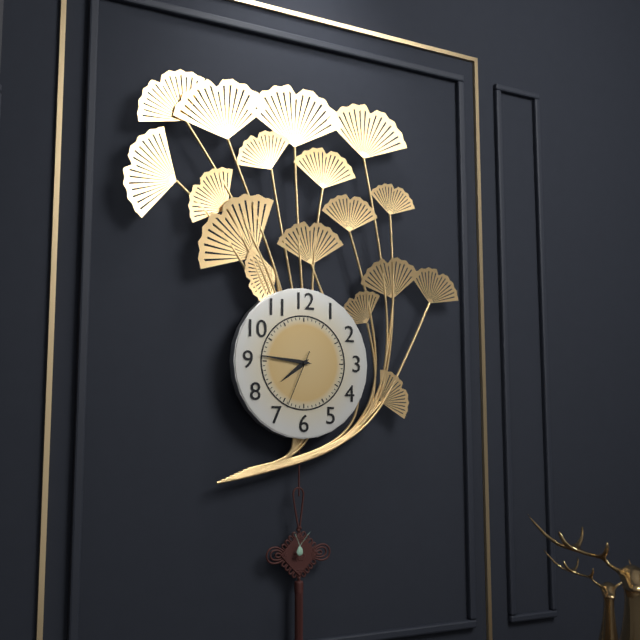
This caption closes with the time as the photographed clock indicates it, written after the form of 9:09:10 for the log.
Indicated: 7:46:34
